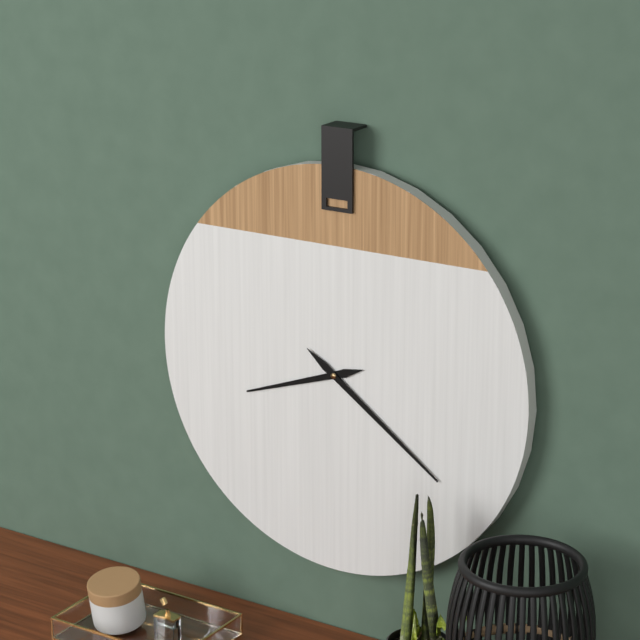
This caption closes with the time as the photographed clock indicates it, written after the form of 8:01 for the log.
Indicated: 8:21
